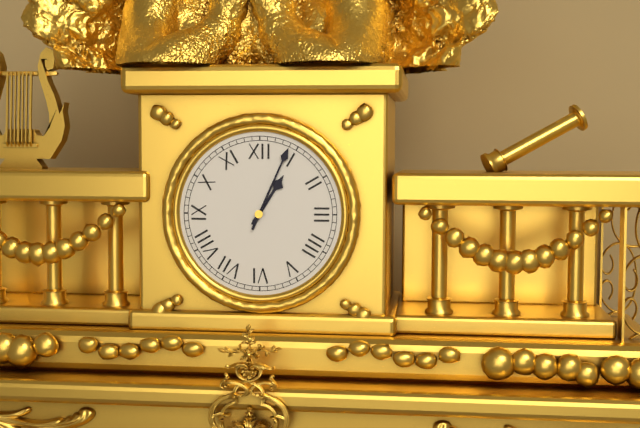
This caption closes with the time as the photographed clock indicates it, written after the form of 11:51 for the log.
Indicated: 1:04
